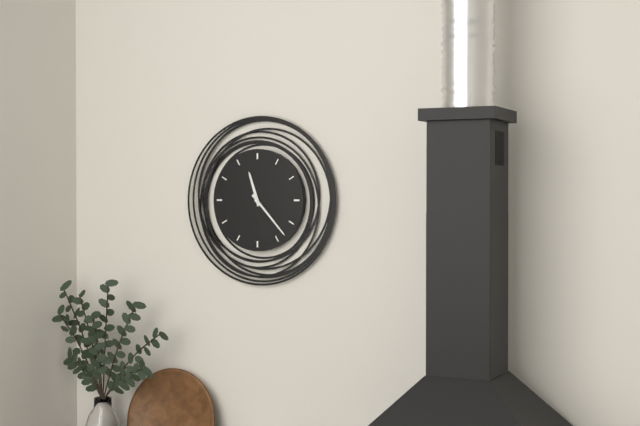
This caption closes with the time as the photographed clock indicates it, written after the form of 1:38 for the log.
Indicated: 11:23
